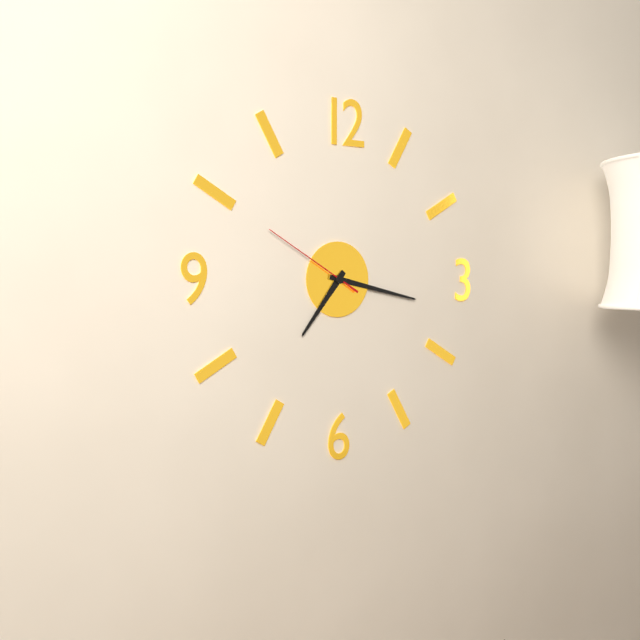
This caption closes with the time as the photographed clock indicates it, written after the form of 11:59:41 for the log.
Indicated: 7:17:50
